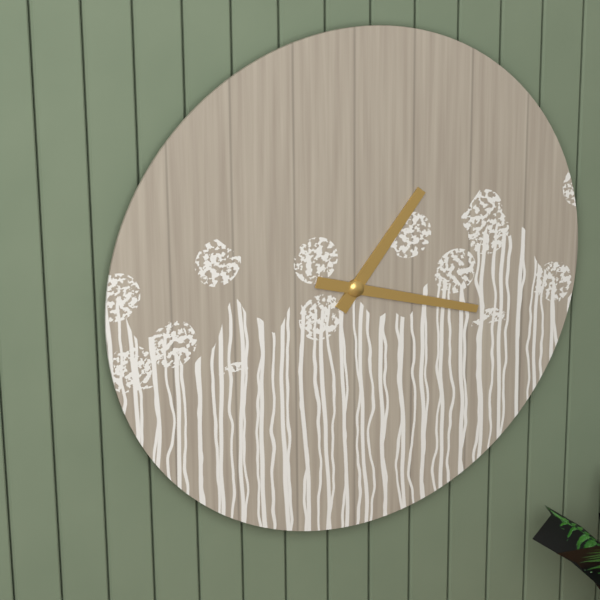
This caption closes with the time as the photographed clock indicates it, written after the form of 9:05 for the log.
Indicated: 1:18
